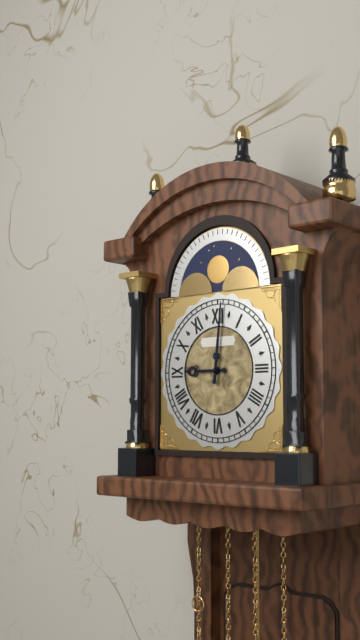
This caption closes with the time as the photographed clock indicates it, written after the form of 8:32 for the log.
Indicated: 9:01
